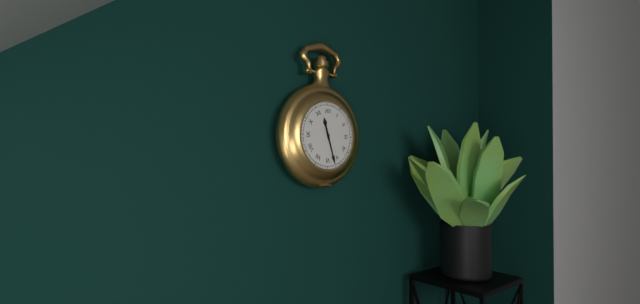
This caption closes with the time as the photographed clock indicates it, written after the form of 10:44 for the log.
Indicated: 11:27
